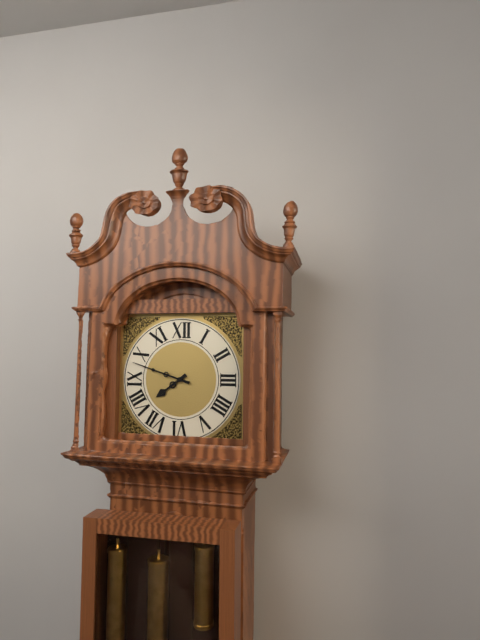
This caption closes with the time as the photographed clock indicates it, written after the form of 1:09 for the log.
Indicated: 7:48
